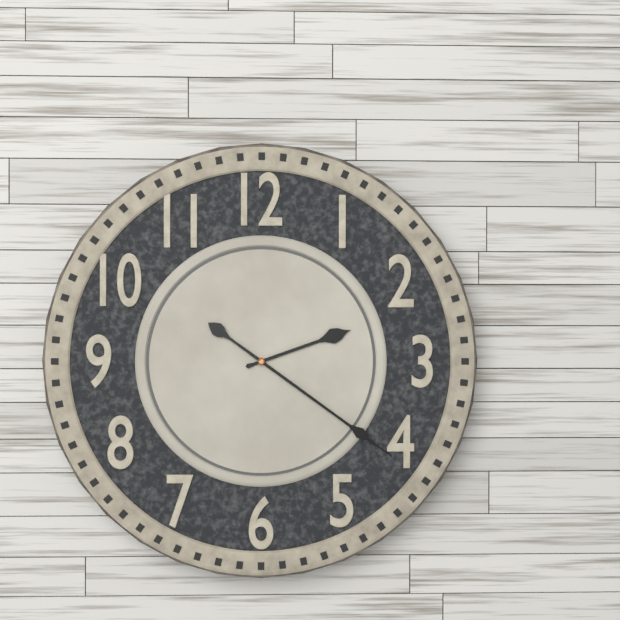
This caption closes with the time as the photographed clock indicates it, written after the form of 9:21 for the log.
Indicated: 2:21
